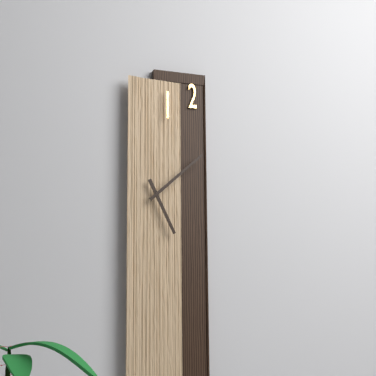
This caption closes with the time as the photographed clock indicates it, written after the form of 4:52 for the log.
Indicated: 5:08
